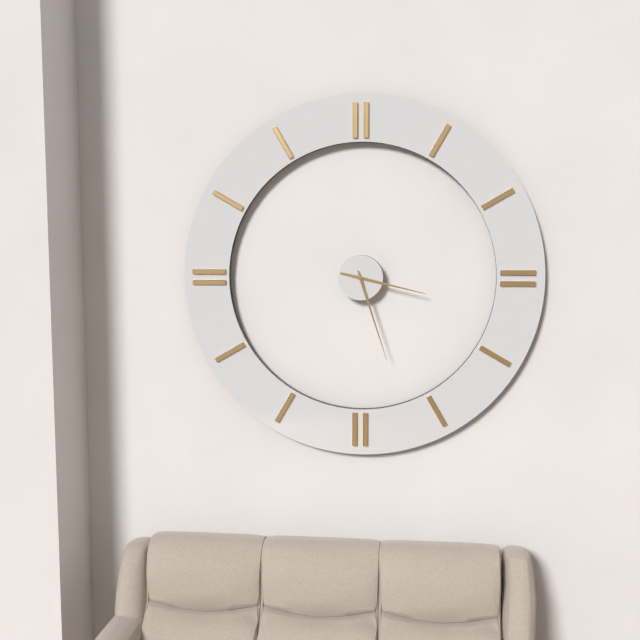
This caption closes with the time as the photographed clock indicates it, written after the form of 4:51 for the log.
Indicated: 3:27
